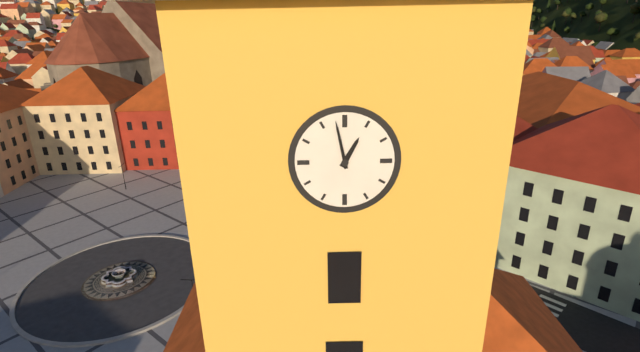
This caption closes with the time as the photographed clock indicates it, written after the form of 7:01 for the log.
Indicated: 12:58
